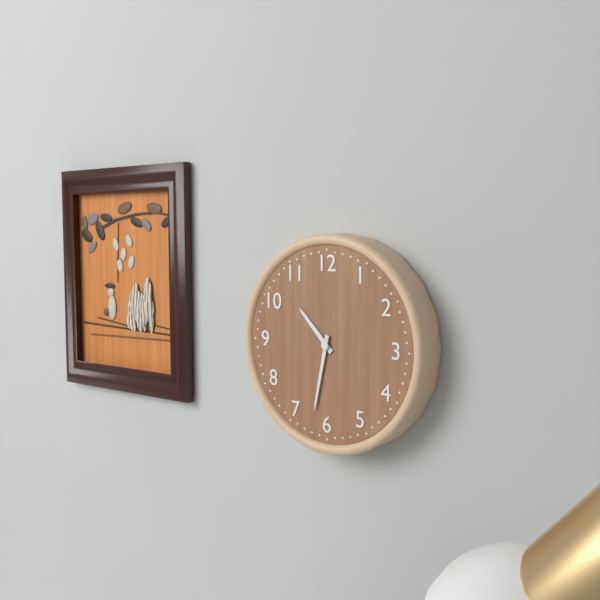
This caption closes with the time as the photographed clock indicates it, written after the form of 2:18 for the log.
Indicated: 10:32
